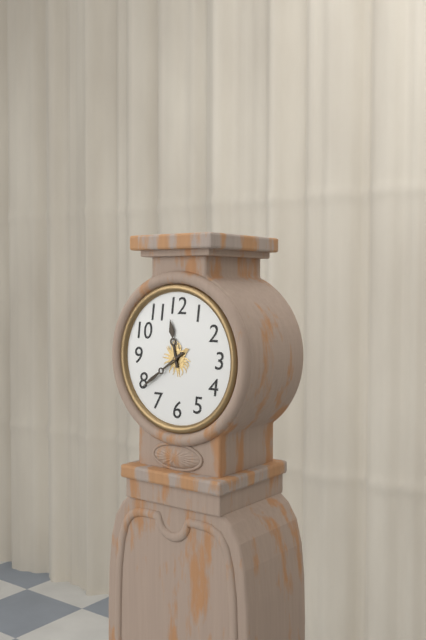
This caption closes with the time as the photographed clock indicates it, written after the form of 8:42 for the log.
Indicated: 11:39
